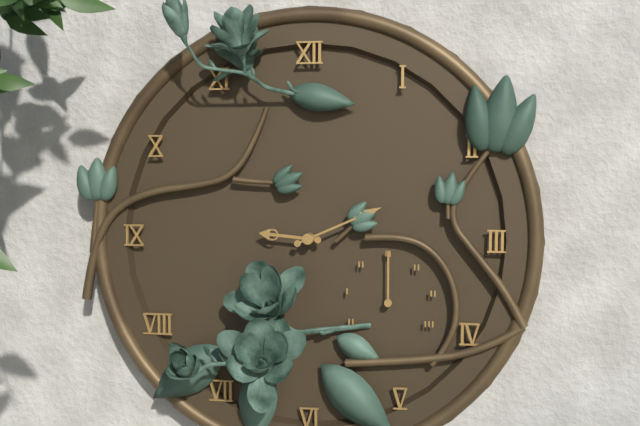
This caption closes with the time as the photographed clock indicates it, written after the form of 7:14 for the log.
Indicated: 9:11
